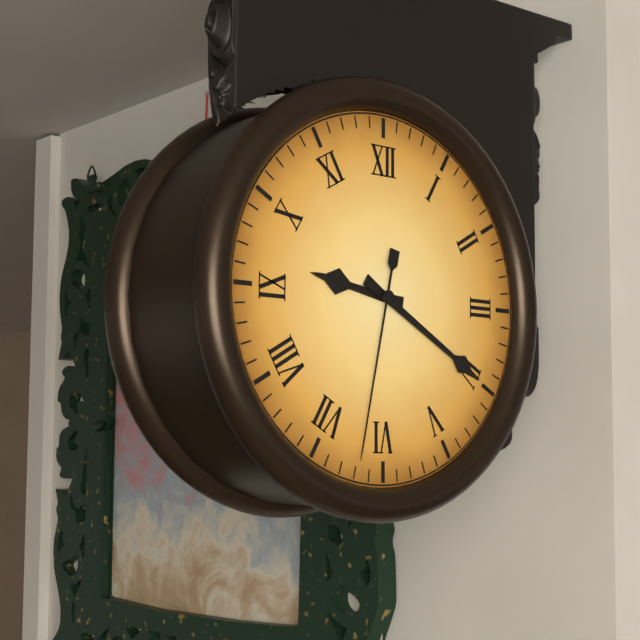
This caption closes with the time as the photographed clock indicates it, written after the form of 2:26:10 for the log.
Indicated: 9:20:32
